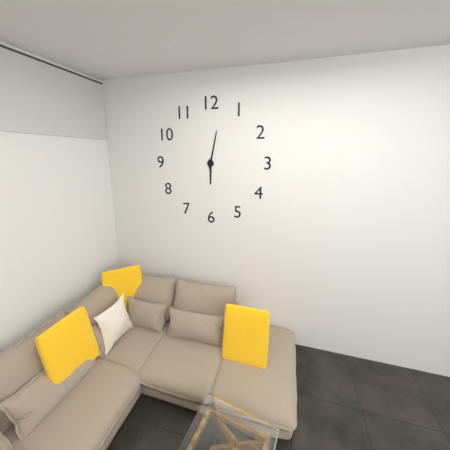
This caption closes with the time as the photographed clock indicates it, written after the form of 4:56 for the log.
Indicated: 6:02
